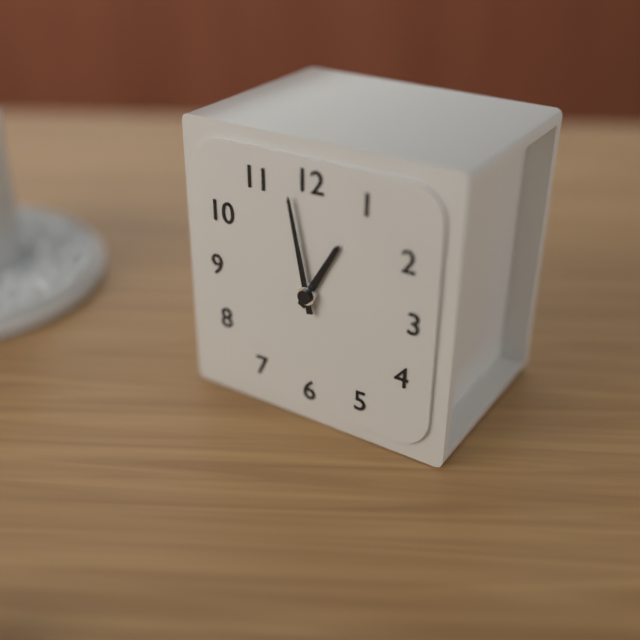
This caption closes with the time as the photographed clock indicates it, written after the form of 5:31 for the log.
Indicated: 12:58
